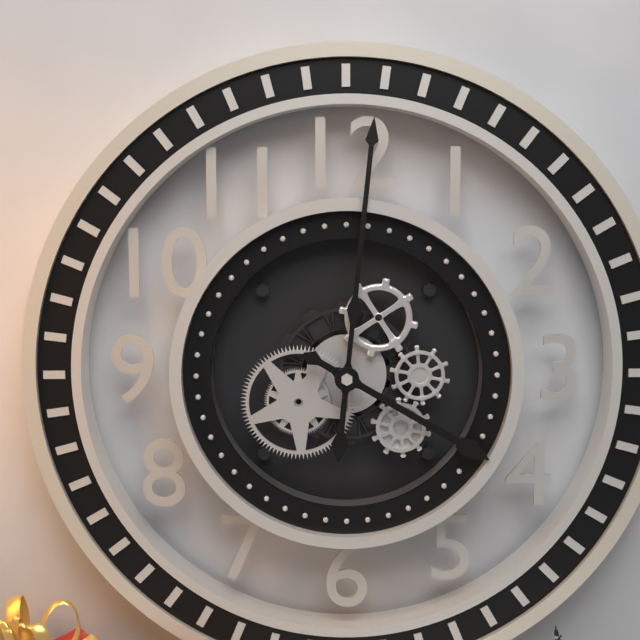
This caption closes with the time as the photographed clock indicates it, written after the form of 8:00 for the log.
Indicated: 4:01
